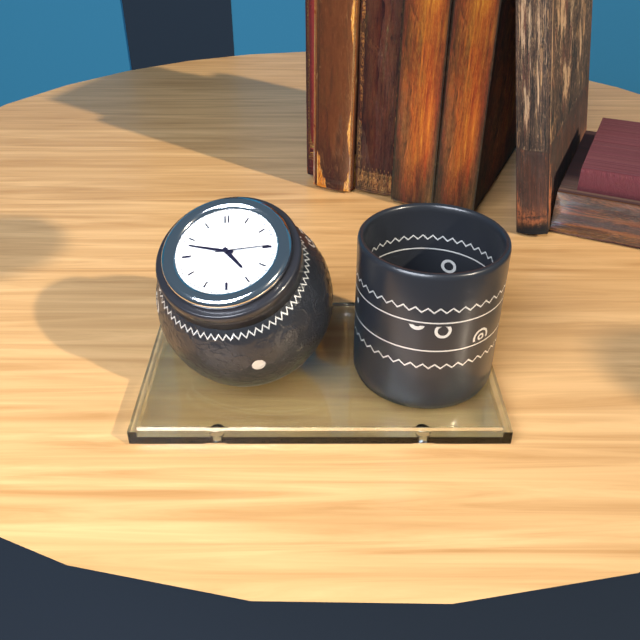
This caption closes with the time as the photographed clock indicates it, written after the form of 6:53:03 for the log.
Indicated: 4:48:15
